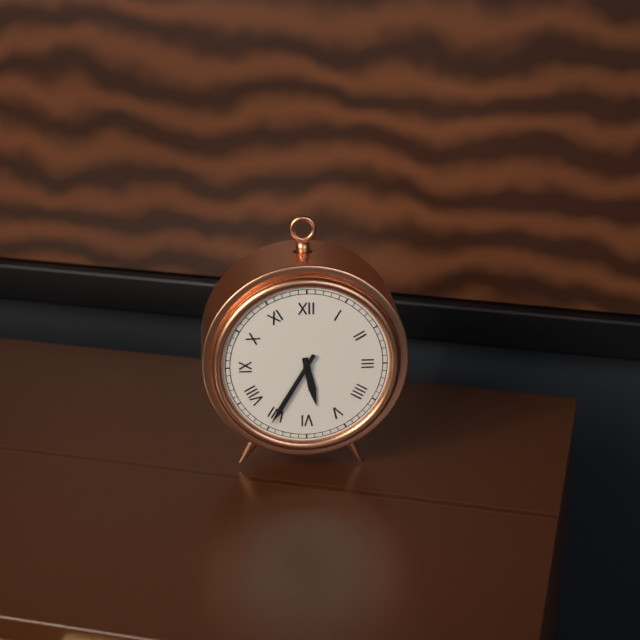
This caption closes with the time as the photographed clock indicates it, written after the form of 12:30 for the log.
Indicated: 5:35
